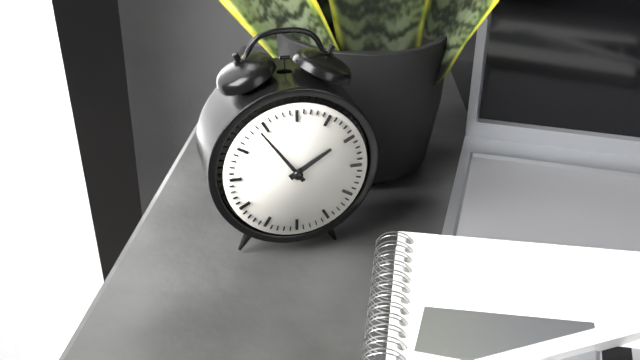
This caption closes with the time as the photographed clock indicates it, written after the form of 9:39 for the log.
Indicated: 1:54
